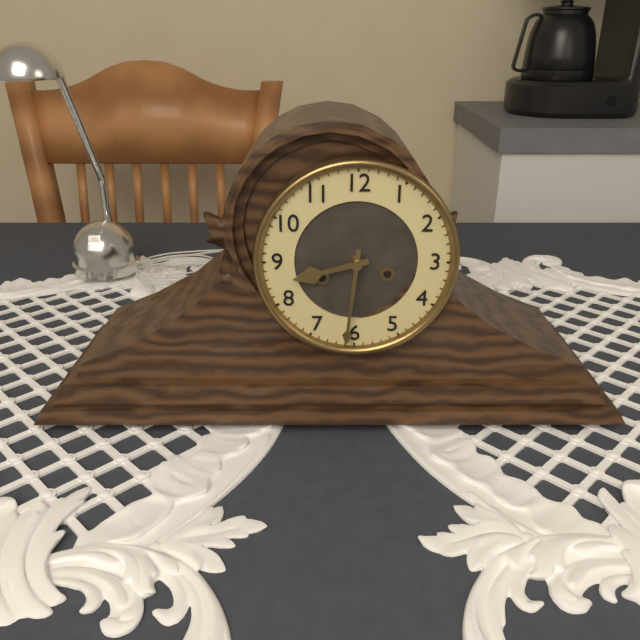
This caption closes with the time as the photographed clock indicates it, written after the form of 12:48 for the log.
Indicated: 8:31
